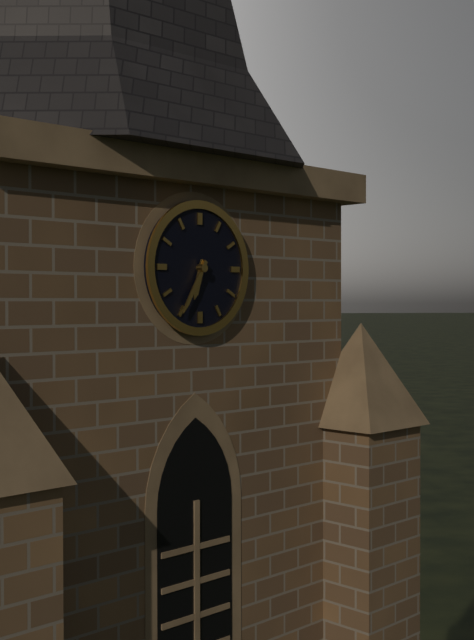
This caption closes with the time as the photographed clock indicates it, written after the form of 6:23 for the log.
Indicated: 6:35
